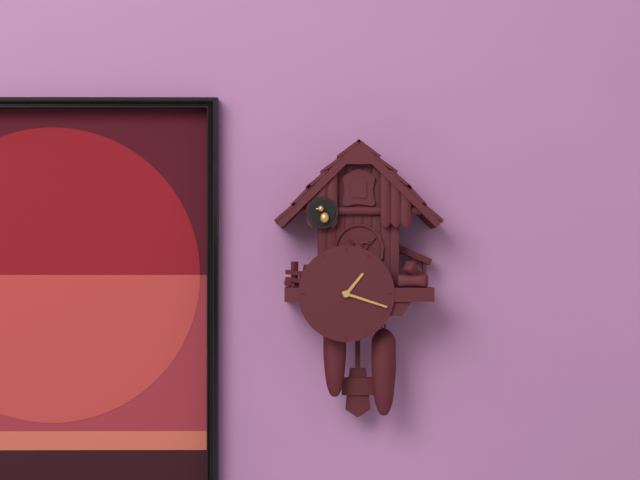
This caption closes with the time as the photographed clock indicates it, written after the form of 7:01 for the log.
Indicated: 1:18
